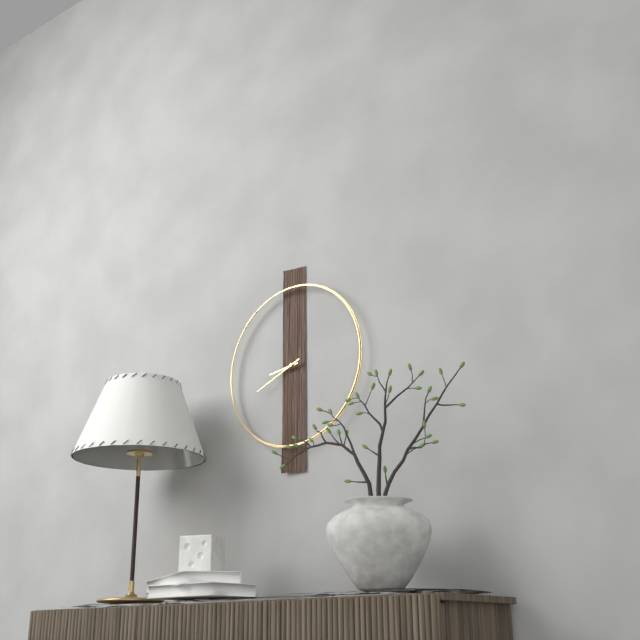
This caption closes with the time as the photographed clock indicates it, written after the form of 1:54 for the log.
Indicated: 8:41
